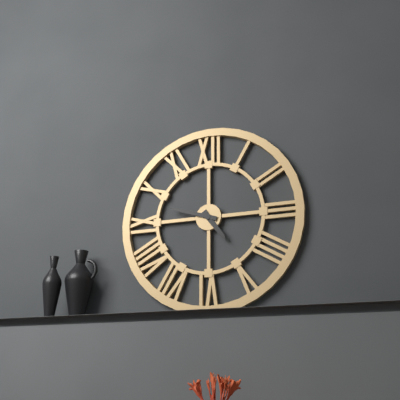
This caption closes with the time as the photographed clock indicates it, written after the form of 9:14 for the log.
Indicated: 4:48
